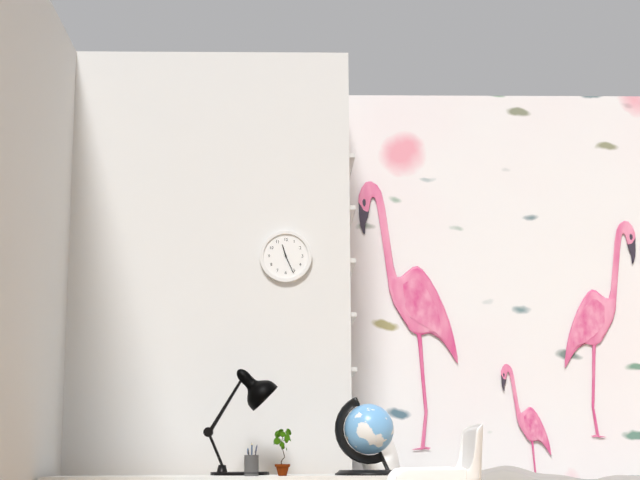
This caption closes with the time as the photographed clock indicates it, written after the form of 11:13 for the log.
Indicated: 11:26
